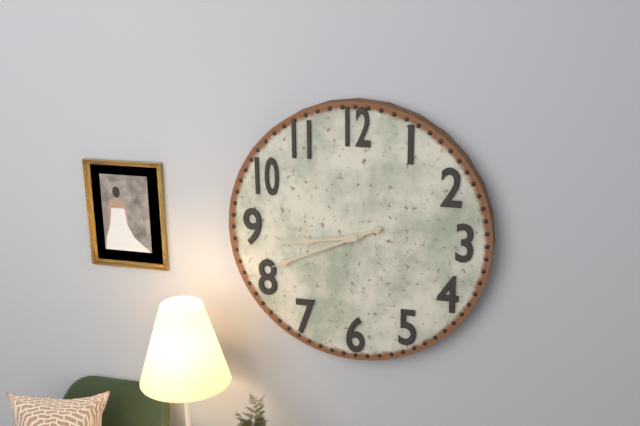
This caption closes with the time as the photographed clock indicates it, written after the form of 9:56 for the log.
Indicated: 8:41
